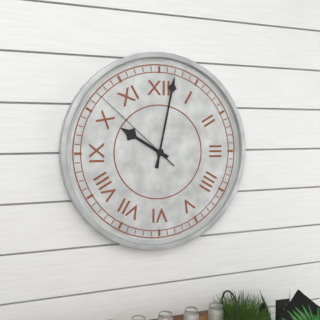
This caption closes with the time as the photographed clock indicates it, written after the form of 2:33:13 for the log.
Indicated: 10:02:52
